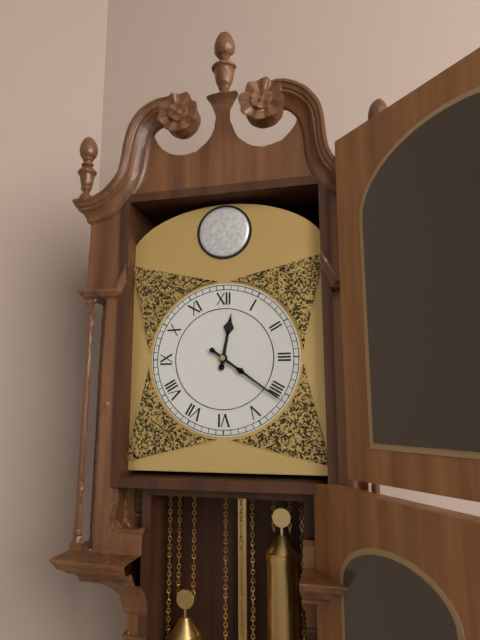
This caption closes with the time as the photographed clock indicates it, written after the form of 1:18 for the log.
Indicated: 12:21
